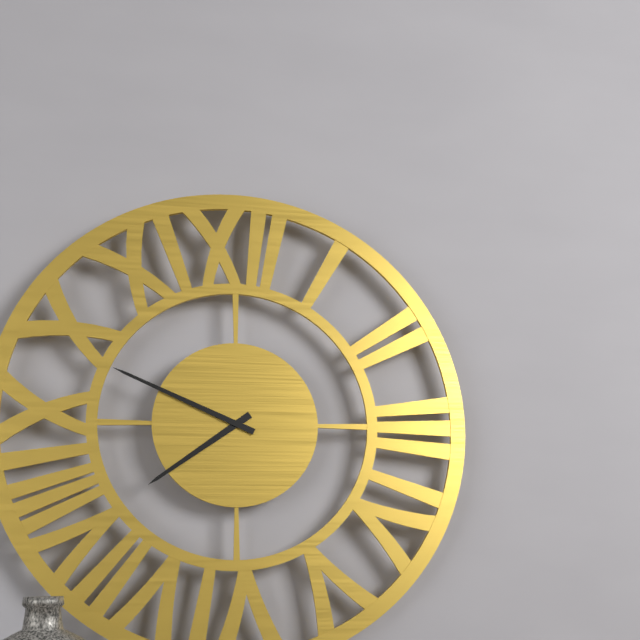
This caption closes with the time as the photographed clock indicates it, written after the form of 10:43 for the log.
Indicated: 7:49
